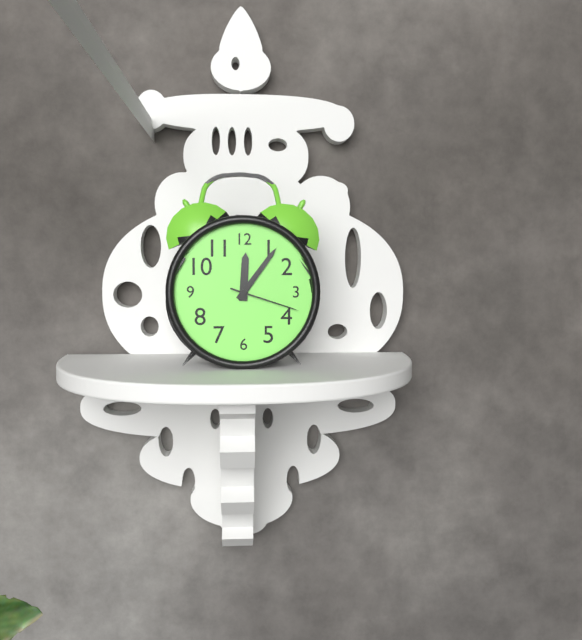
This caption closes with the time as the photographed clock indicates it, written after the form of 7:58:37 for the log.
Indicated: 12:06:18
